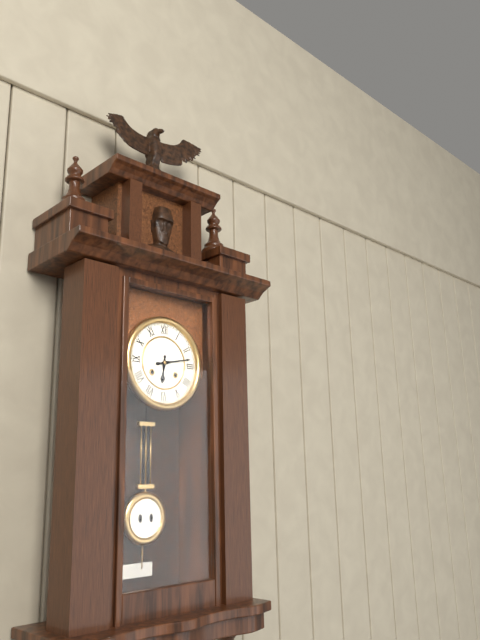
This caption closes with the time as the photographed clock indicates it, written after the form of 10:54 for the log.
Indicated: 6:13
